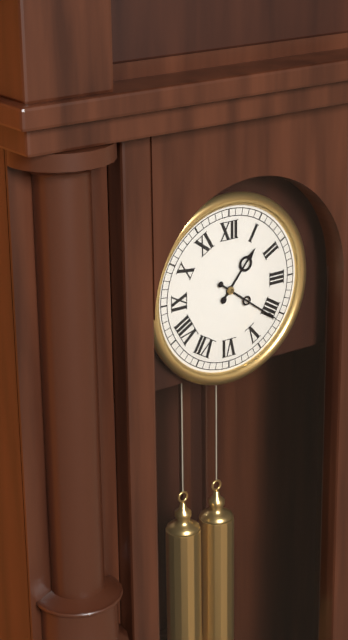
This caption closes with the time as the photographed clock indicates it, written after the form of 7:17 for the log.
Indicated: 1:21
